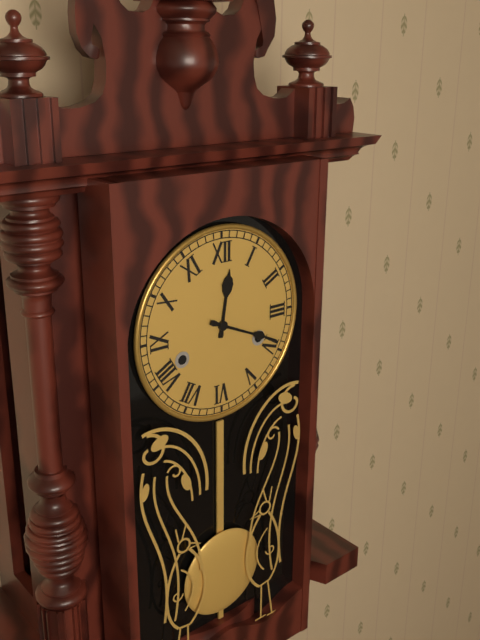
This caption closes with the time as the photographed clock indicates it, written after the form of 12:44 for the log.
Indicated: 12:19
